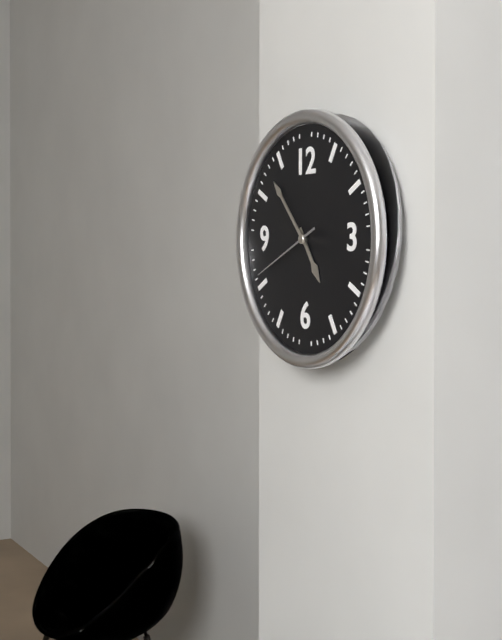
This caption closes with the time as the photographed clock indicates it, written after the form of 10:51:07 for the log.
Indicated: 4:53:41
